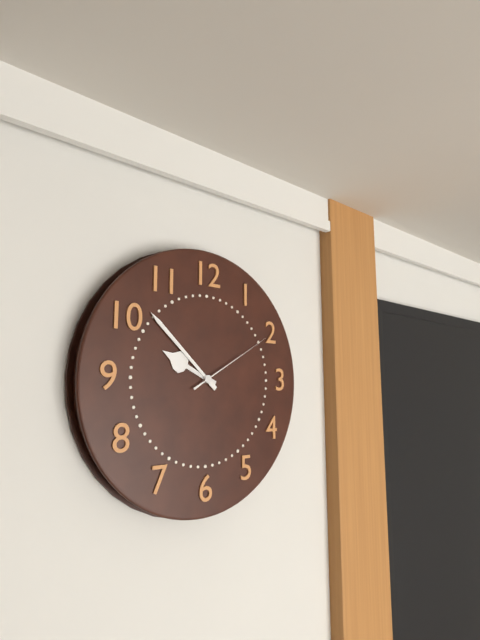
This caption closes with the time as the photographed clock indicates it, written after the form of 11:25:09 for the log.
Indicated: 9:52:10
